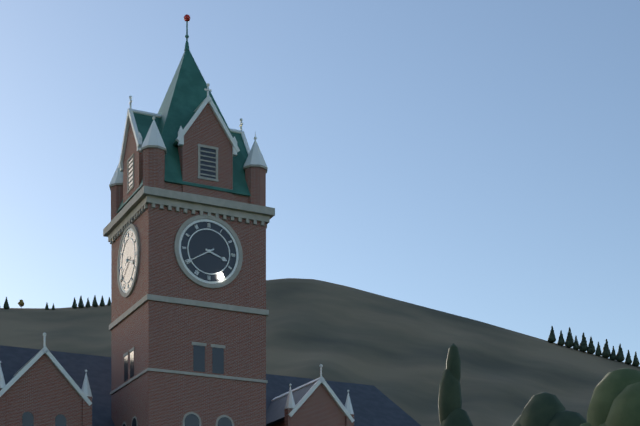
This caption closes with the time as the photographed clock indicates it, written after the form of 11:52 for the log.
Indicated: 3:40
